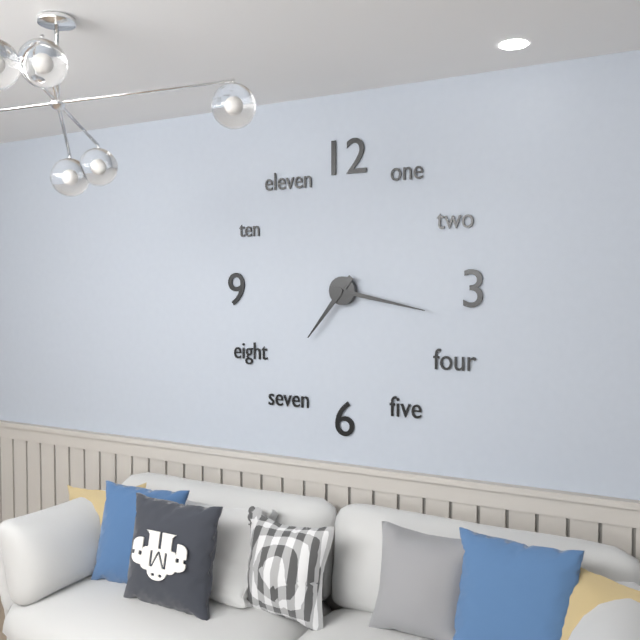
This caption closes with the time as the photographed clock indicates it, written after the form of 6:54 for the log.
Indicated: 7:17
